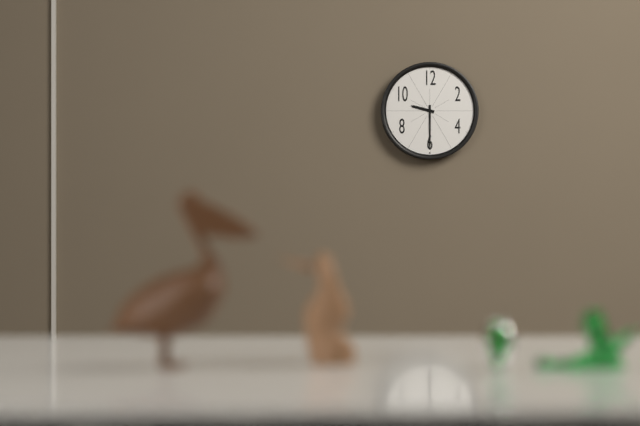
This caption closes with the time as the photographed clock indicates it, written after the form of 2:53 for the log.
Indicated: 9:30
